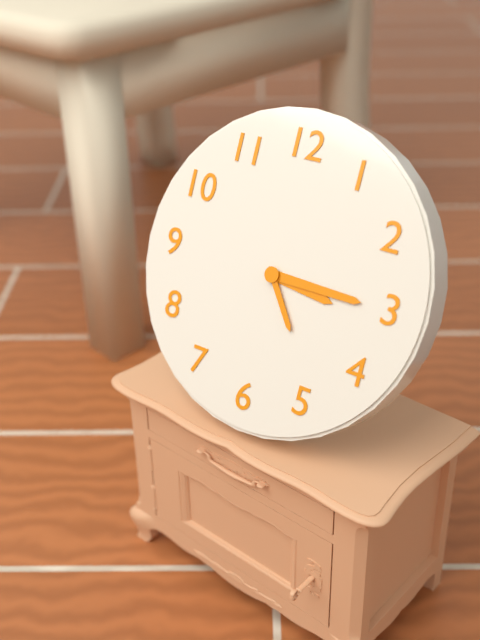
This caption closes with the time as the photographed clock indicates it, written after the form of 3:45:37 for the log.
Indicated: 3:15:24
